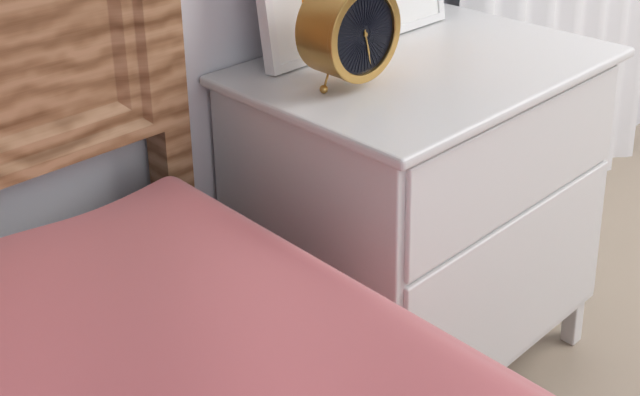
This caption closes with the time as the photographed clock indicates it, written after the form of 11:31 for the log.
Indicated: 5:28
